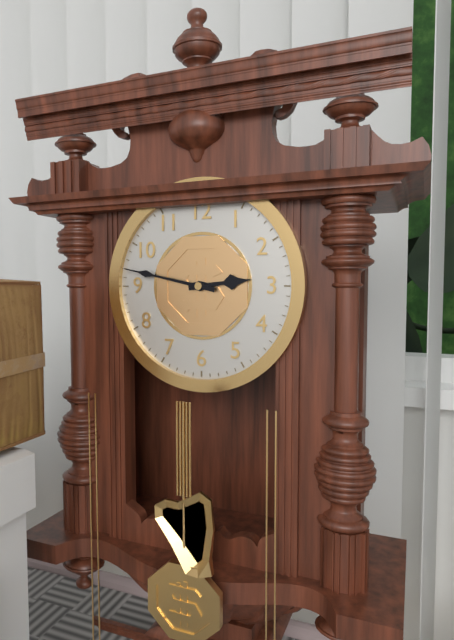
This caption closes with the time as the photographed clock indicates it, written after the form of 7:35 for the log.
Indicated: 2:47
